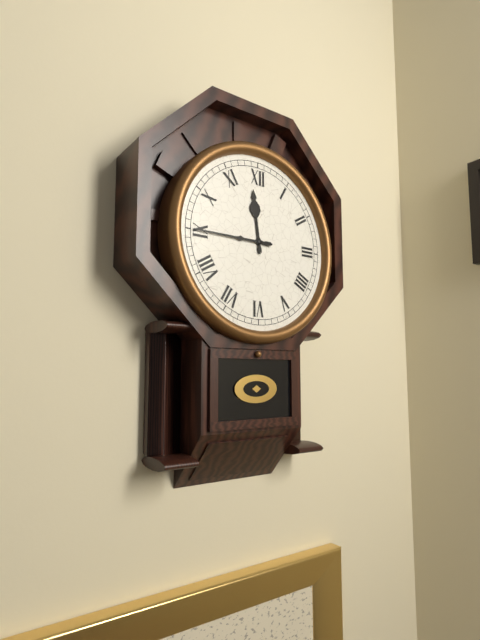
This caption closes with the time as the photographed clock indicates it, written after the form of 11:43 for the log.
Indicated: 11:45
